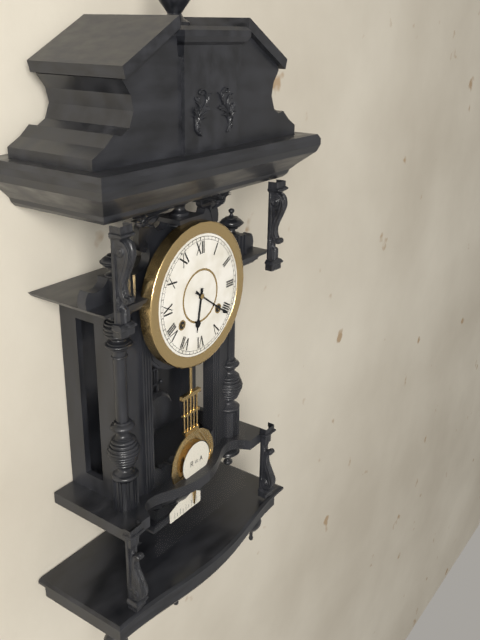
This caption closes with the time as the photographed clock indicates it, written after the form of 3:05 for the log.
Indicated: 6:21
